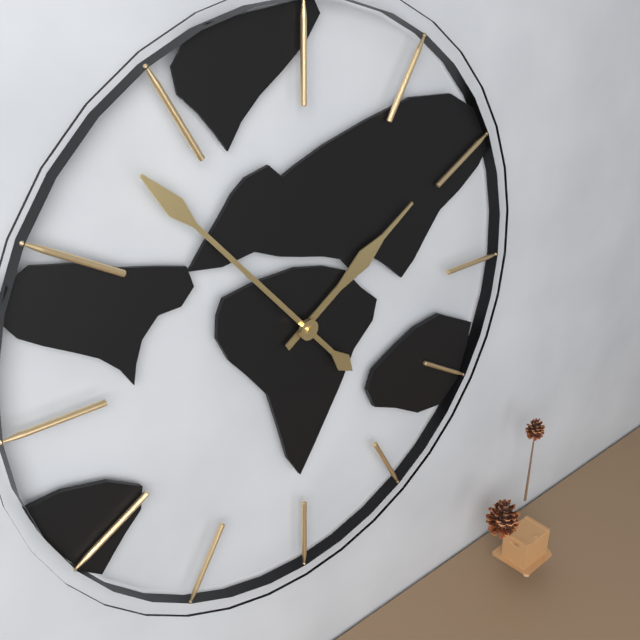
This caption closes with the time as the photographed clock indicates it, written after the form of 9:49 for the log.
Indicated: 1:53
